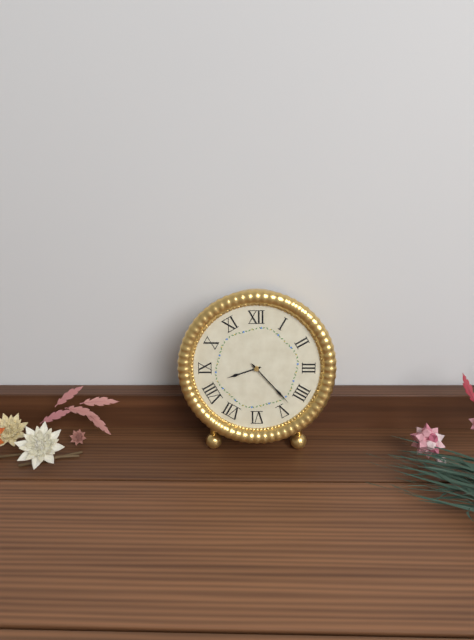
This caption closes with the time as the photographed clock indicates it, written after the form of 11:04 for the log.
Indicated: 8:23
